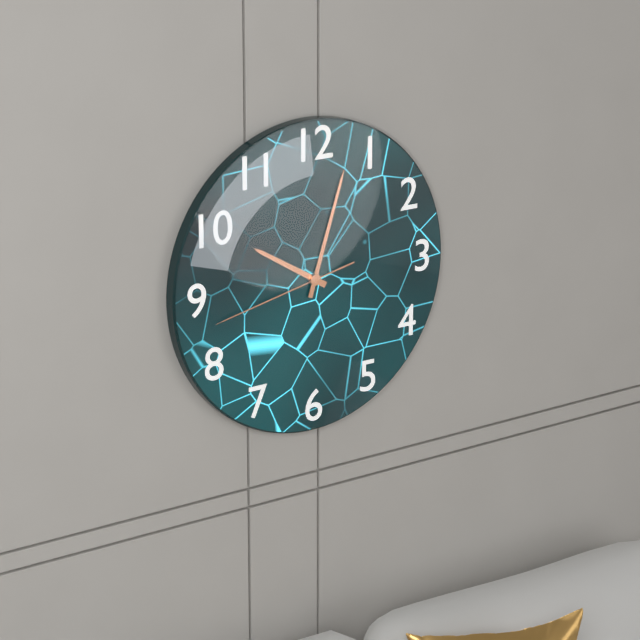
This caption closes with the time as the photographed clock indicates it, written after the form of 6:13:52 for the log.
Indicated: 10:03:43
